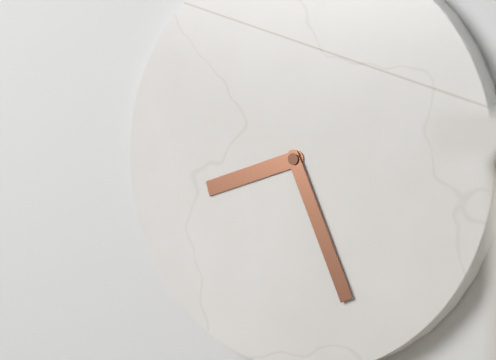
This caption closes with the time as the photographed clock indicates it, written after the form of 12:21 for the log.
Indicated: 8:26
